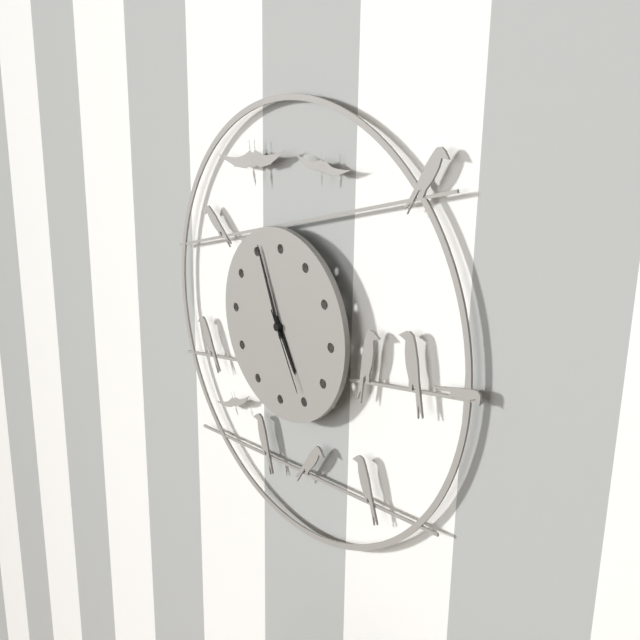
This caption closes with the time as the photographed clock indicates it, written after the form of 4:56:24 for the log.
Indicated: 4:56:25
